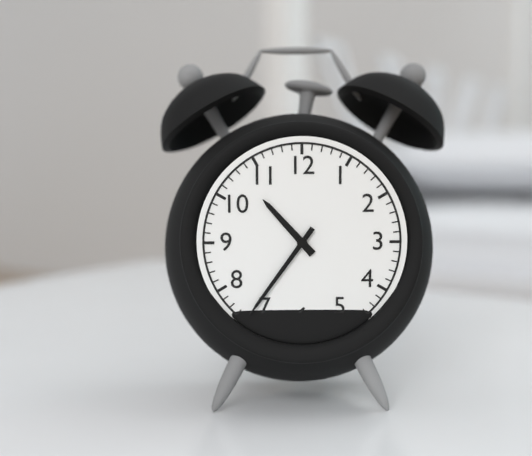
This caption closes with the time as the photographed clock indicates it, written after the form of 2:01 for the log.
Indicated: 10:36
